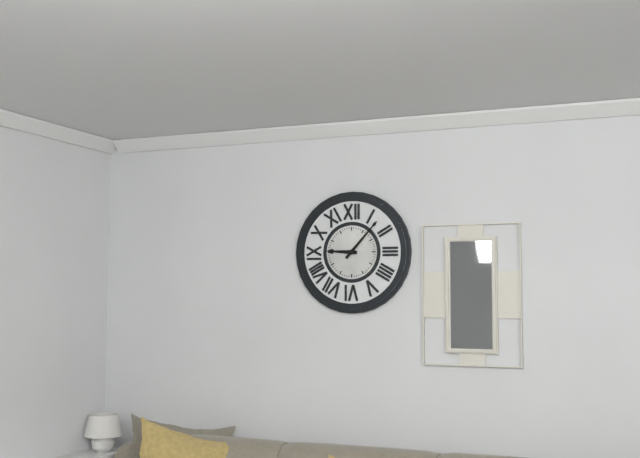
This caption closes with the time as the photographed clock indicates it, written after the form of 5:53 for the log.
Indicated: 9:07
